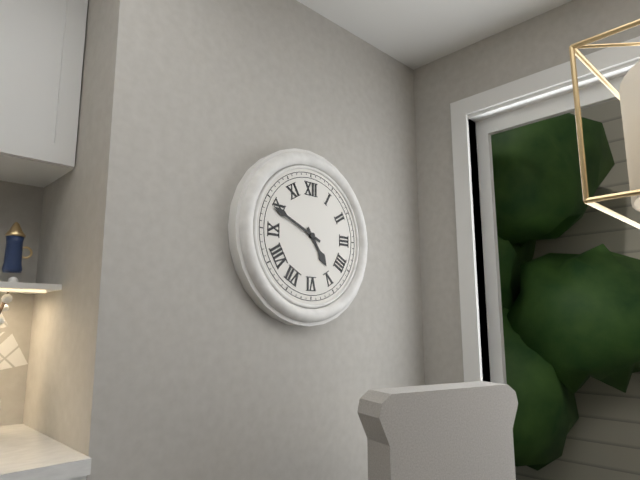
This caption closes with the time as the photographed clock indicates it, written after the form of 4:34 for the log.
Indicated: 4:49
